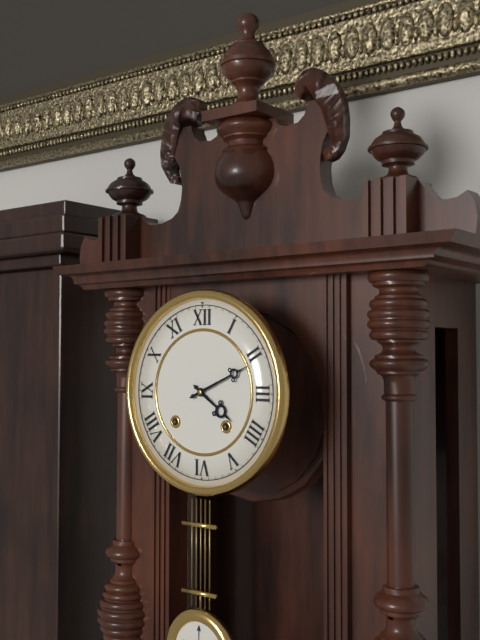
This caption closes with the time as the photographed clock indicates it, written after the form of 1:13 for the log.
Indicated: 4:11
